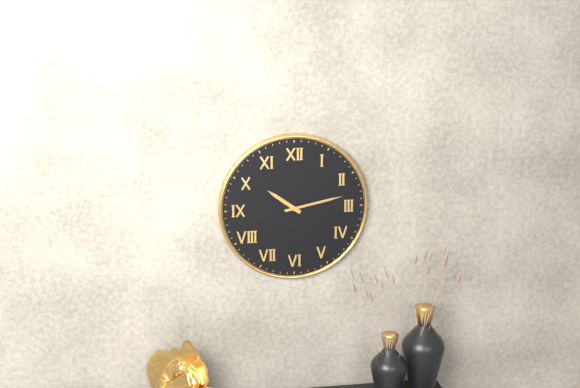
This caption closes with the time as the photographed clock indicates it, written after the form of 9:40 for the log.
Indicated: 10:13
